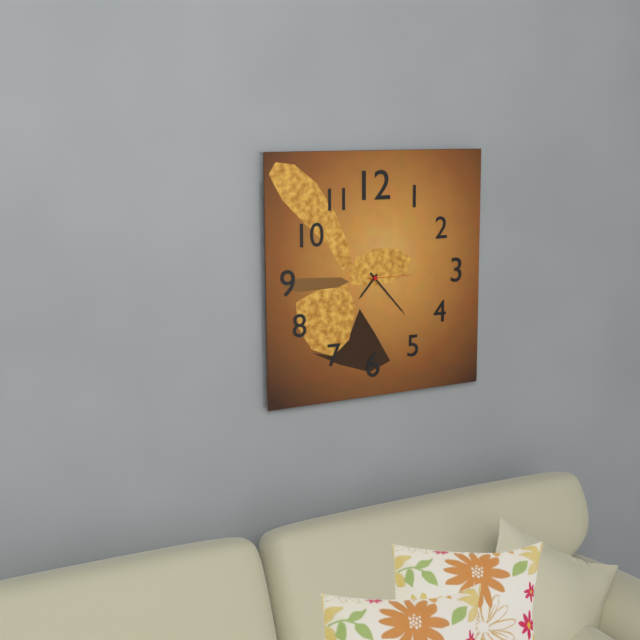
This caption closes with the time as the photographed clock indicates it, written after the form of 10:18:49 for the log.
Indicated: 7:23:15
